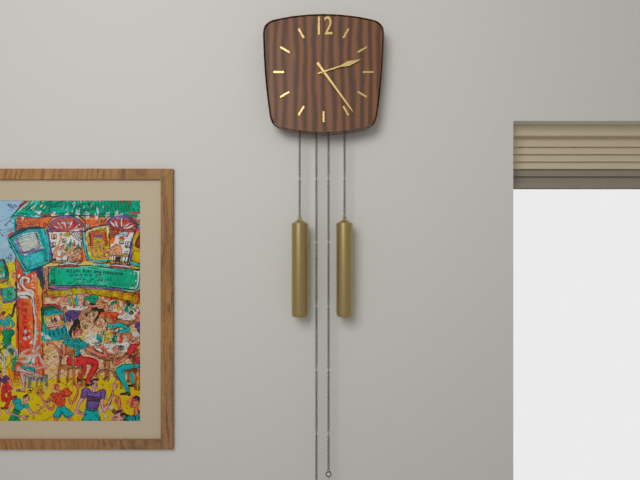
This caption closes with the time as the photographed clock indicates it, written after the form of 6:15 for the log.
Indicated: 2:24
